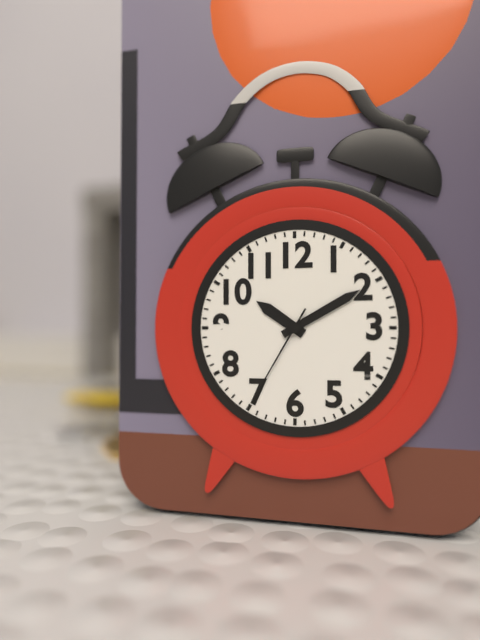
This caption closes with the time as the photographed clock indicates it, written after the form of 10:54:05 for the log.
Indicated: 10:10:35
